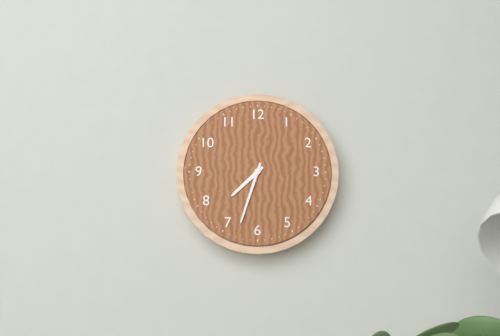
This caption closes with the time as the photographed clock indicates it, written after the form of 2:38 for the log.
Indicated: 7:33
